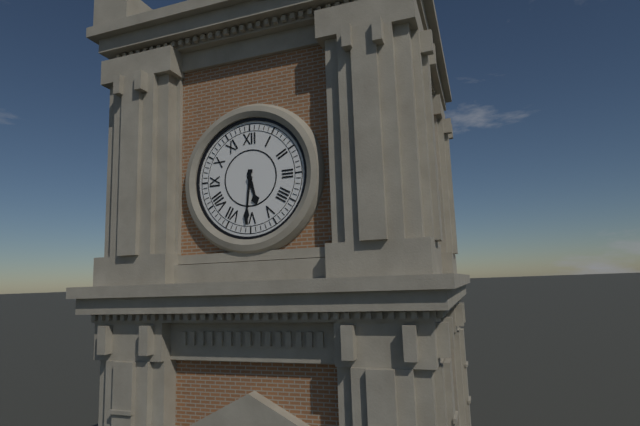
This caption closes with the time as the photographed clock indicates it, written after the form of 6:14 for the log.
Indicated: 5:31
